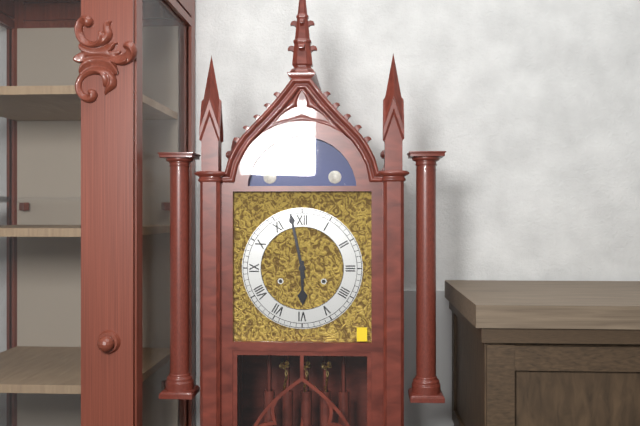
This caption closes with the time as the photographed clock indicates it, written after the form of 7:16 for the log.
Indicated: 5:58
